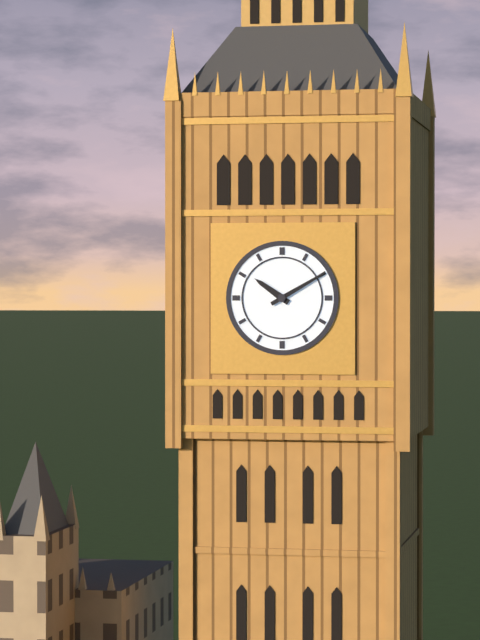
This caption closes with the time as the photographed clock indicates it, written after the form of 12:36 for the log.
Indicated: 10:10
